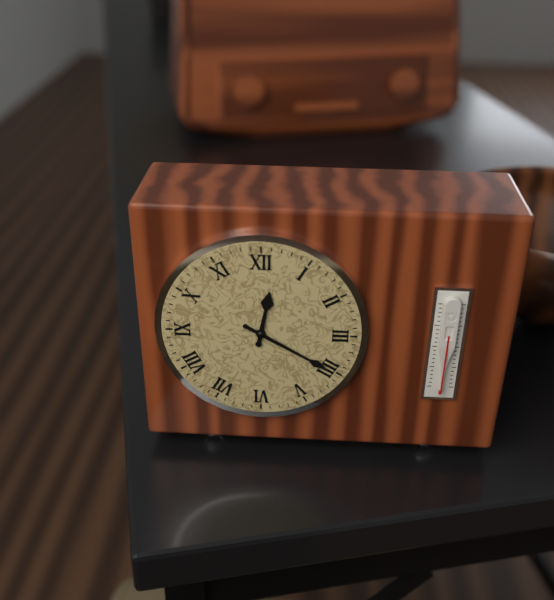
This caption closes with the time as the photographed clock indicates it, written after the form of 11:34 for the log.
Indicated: 12:20
